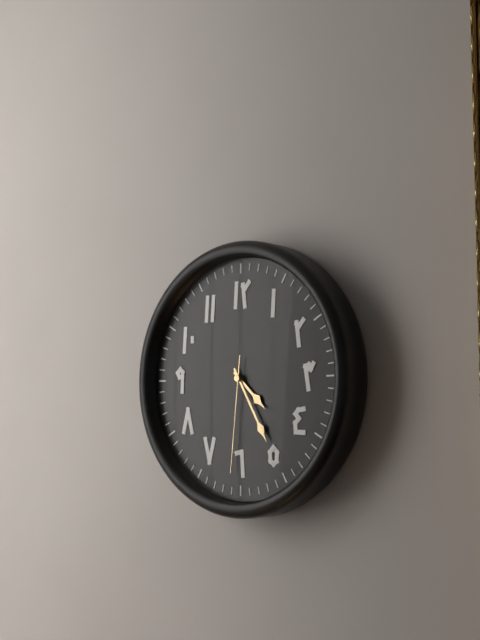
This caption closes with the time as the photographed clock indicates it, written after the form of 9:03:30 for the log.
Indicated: 4:25:31
